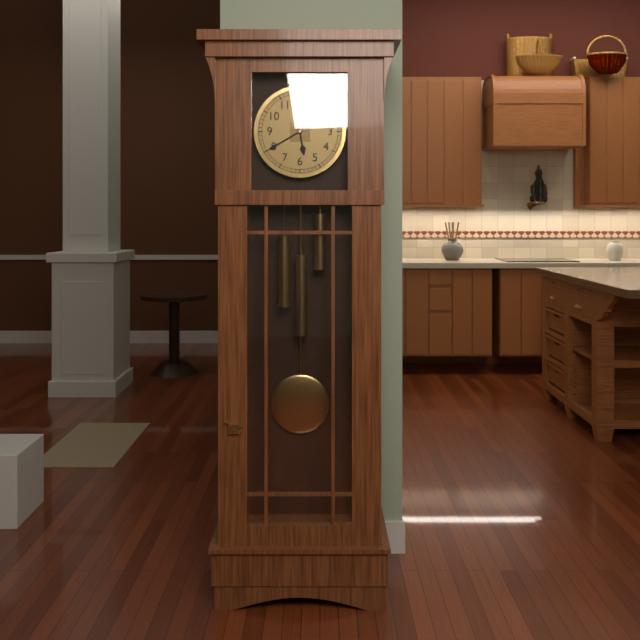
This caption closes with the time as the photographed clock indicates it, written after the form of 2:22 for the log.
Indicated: 5:40
